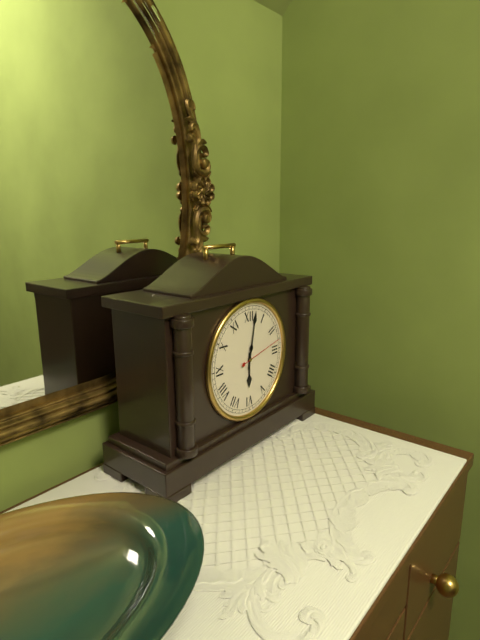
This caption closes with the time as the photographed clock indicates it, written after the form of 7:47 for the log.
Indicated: 6:02
